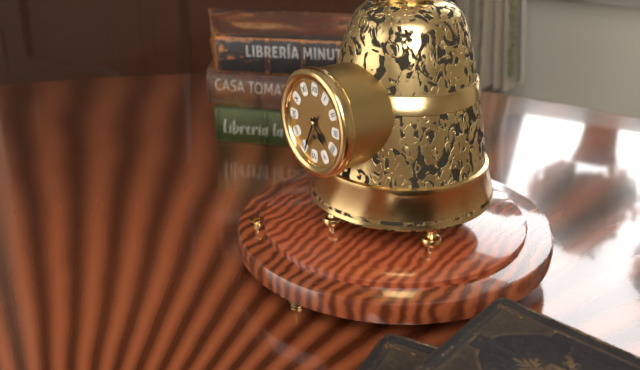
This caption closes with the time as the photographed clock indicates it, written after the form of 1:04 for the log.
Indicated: 4:34
